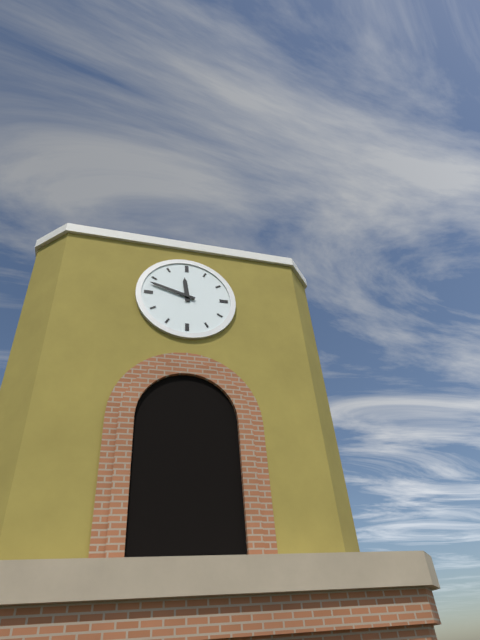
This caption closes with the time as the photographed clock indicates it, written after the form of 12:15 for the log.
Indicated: 11:48
